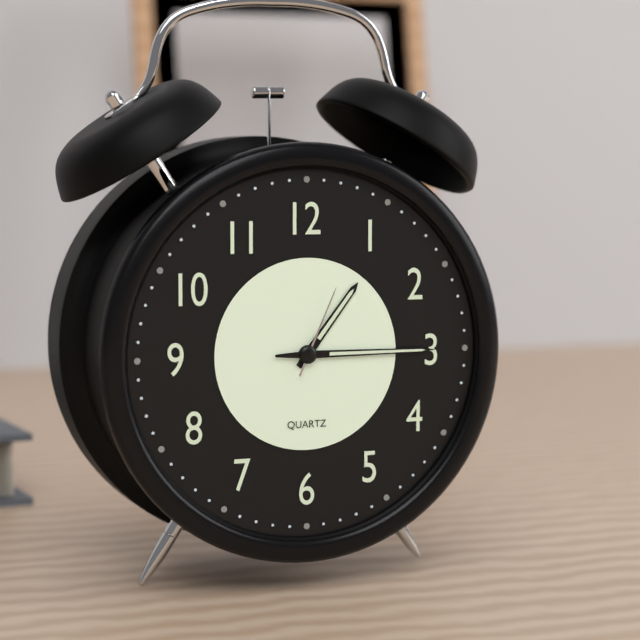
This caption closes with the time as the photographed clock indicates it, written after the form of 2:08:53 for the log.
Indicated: 1:15:04
